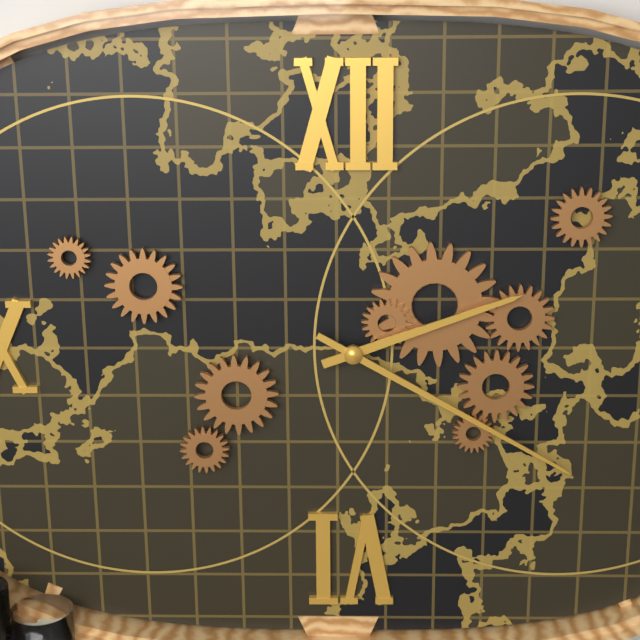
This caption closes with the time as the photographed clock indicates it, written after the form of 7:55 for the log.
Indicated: 2:20
